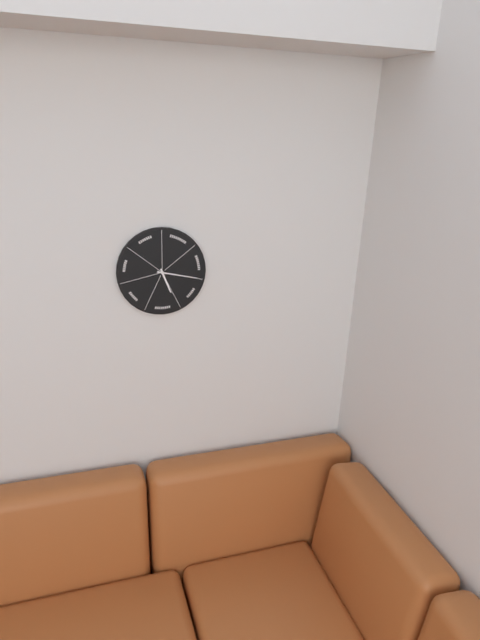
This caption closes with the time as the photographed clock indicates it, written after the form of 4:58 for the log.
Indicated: 5:17
